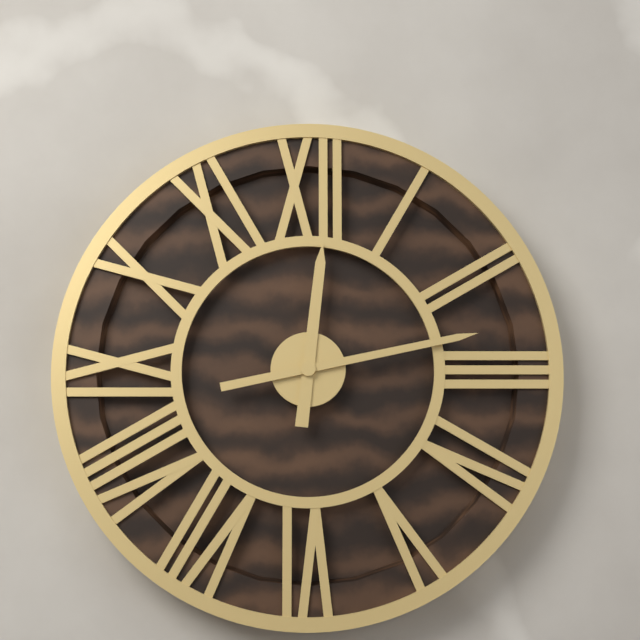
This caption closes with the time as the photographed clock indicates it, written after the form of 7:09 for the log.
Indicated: 12:13
